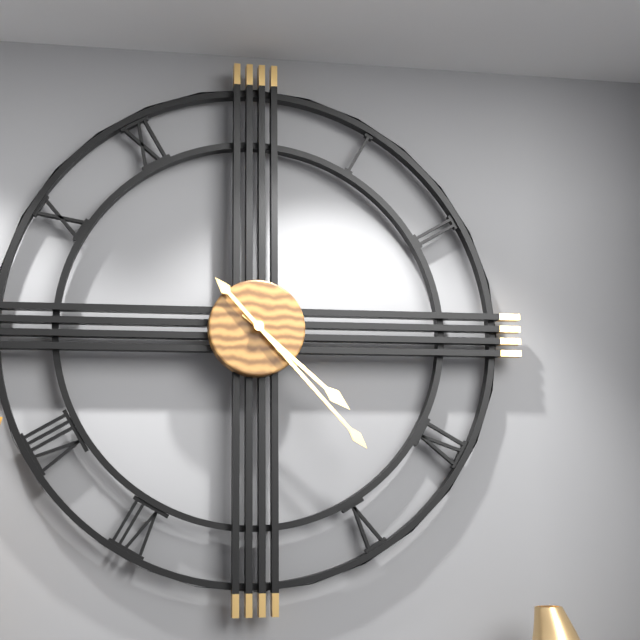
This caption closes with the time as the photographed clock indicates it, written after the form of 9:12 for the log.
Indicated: 4:23
